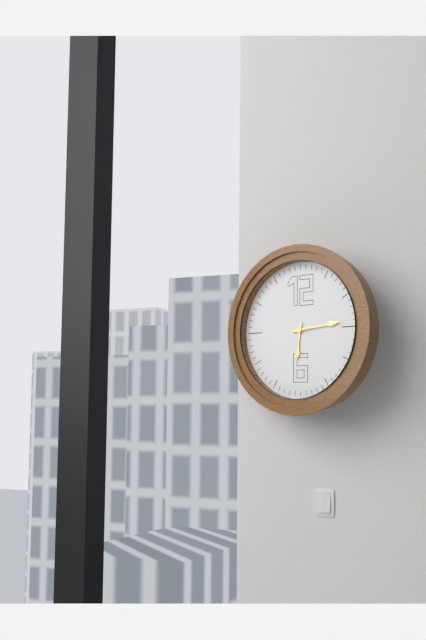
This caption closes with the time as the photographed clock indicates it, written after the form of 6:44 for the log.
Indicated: 6:14
